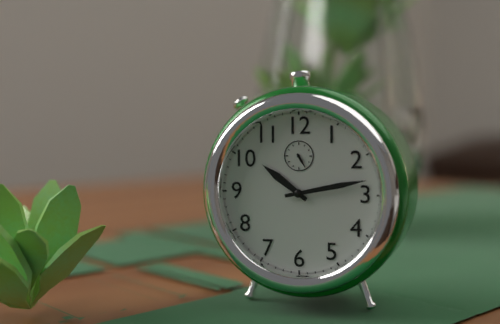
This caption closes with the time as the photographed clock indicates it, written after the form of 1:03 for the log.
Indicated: 10:13
